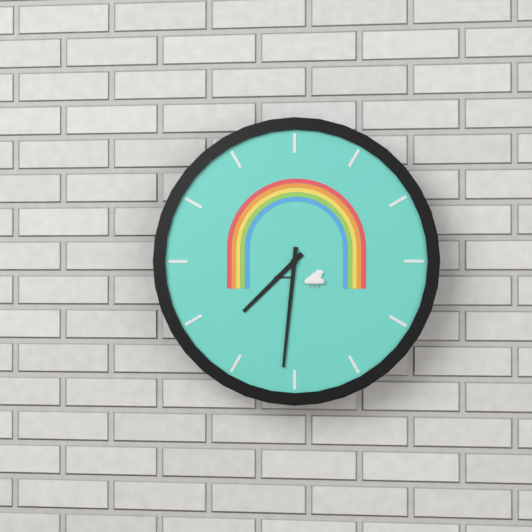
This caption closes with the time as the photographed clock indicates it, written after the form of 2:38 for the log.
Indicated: 7:31
